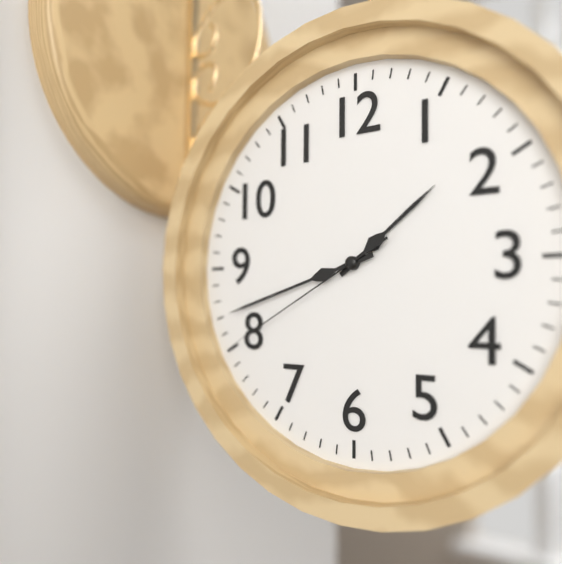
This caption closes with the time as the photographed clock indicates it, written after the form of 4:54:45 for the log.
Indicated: 1:42:40
